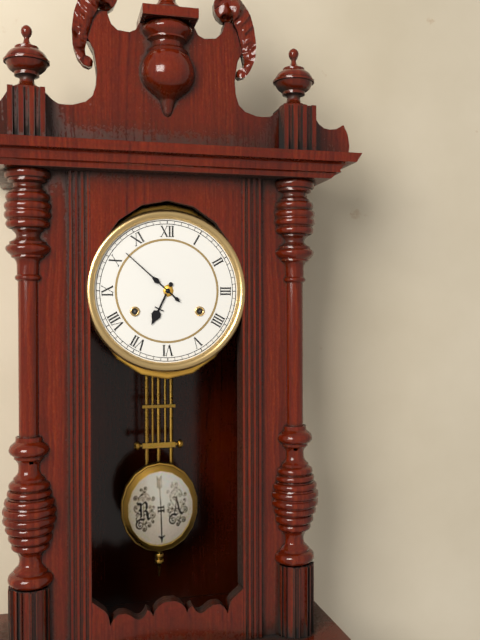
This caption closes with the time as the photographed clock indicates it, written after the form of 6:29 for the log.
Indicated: 6:52
